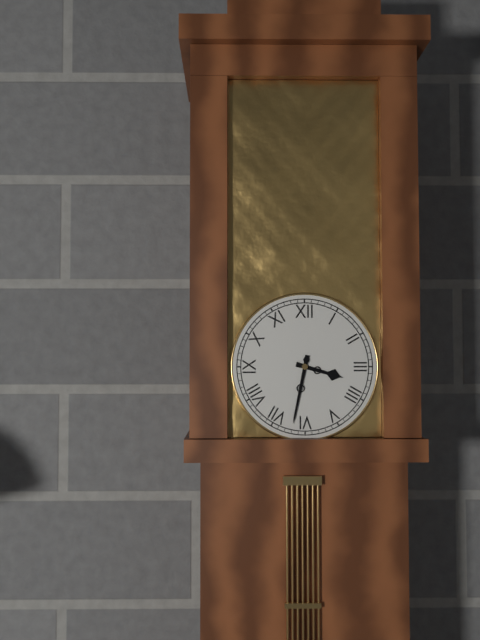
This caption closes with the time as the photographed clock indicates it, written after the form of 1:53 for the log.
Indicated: 3:32
